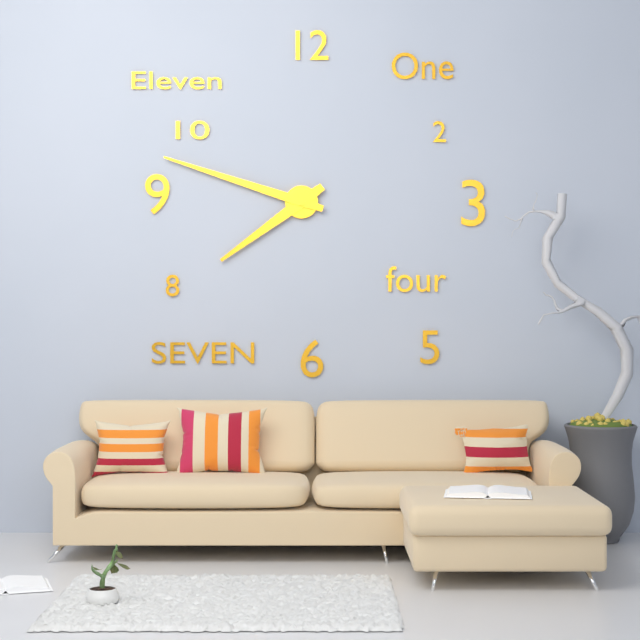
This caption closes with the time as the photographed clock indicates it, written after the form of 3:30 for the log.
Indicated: 7:48
